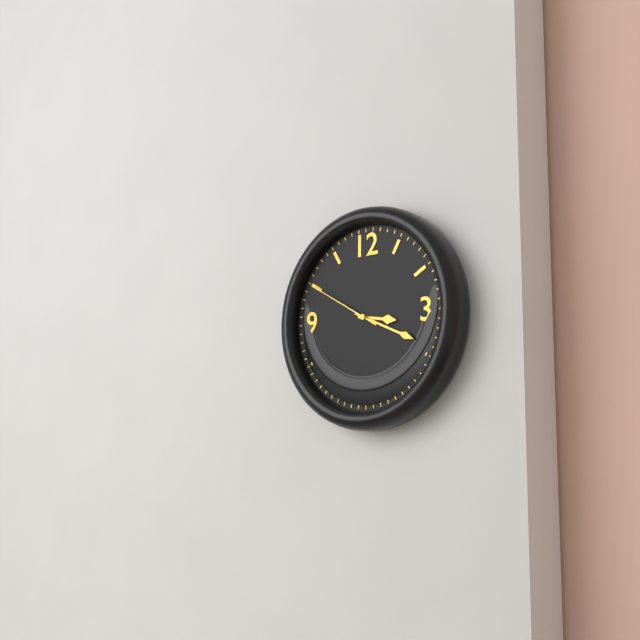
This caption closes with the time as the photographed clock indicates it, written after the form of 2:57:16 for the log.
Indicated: 3:19:50
